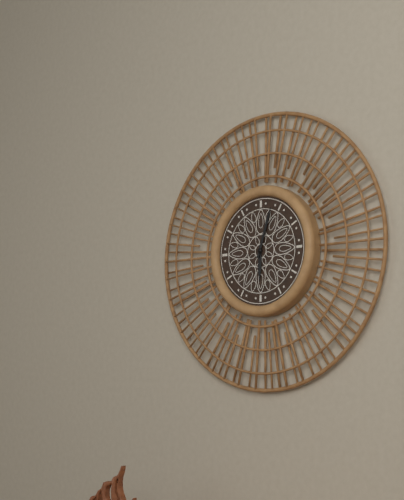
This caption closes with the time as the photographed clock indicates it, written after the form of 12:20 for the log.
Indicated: 6:03
